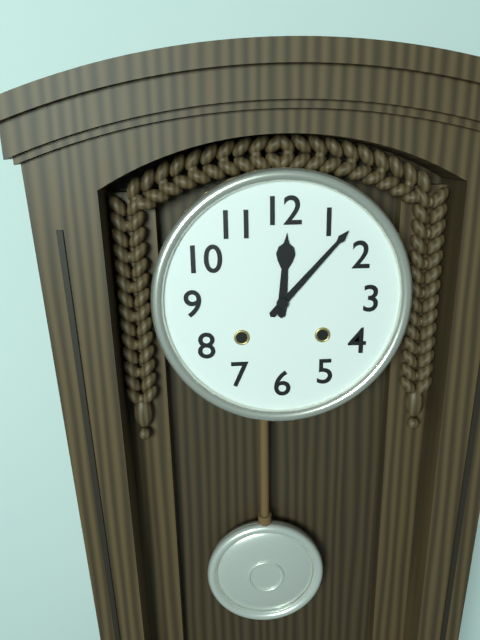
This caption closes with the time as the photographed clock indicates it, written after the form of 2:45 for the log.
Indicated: 12:07
